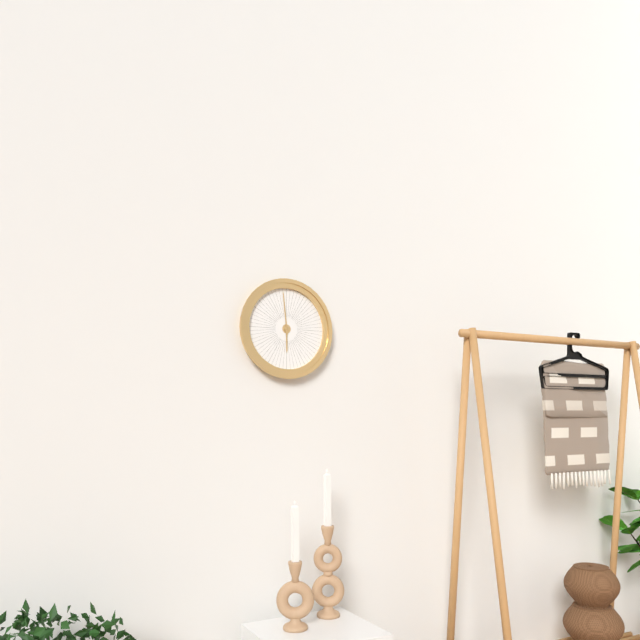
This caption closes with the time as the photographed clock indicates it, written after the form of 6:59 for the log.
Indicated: 5:59
